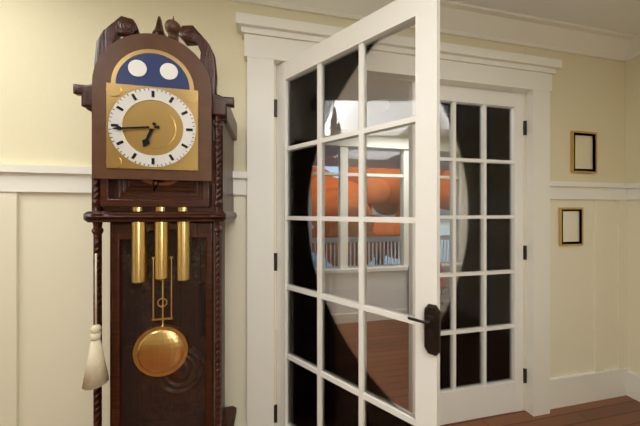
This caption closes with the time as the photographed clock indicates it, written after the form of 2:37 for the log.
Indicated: 6:44
